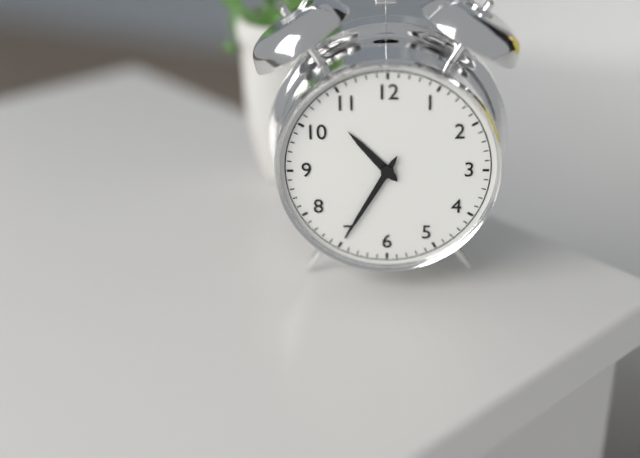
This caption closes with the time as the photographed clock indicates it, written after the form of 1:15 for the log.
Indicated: 10:35
